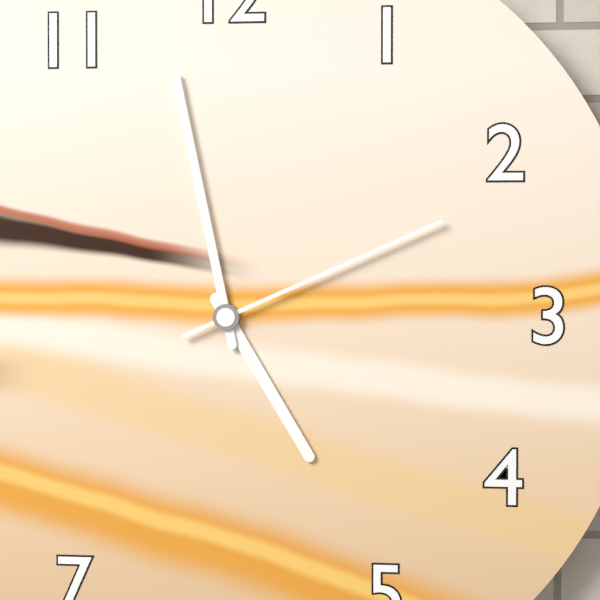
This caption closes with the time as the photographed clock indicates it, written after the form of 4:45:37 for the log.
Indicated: 4:58:11
